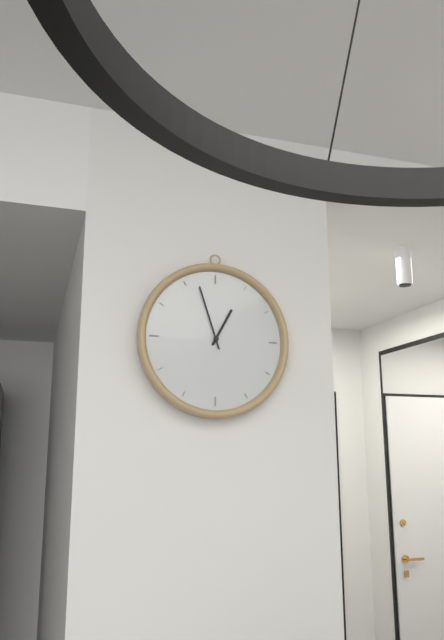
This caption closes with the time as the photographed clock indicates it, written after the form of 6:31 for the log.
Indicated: 12:57
